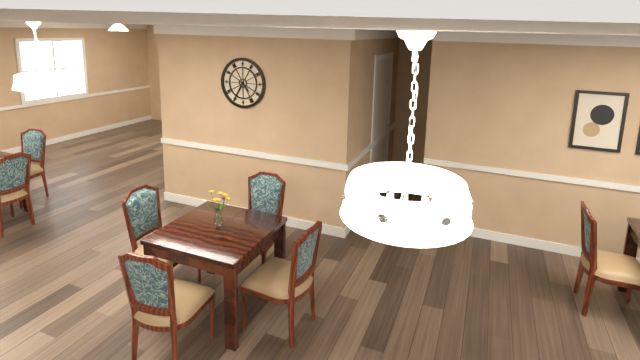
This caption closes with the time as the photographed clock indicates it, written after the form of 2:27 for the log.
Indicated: 4:35
